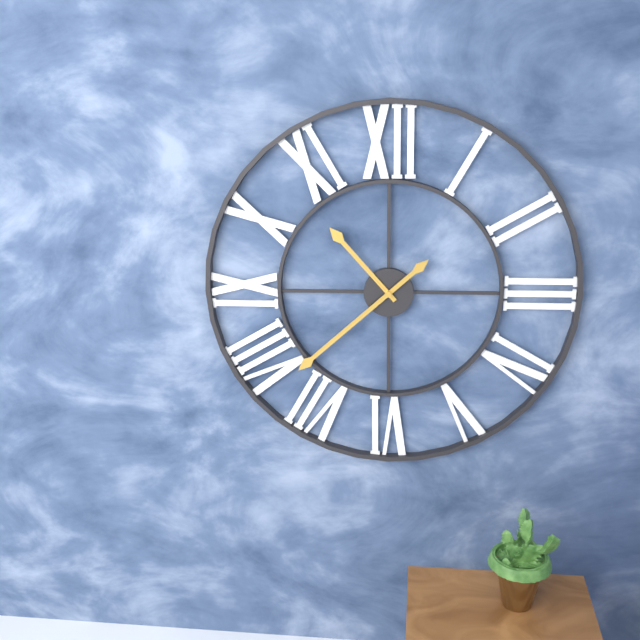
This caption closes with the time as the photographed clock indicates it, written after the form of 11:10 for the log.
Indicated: 10:38
